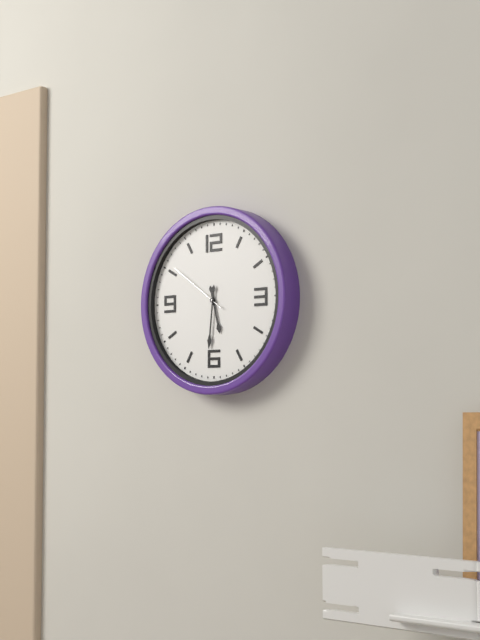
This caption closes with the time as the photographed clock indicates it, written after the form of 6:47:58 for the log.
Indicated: 5:31:51
